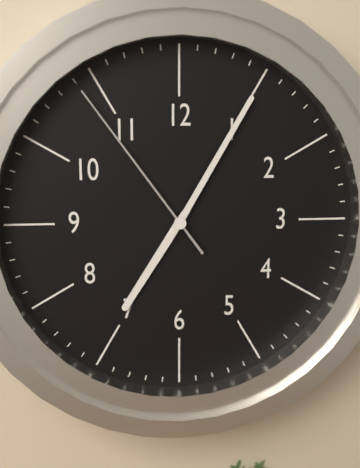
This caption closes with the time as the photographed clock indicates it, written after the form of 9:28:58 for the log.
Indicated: 7:05:54
